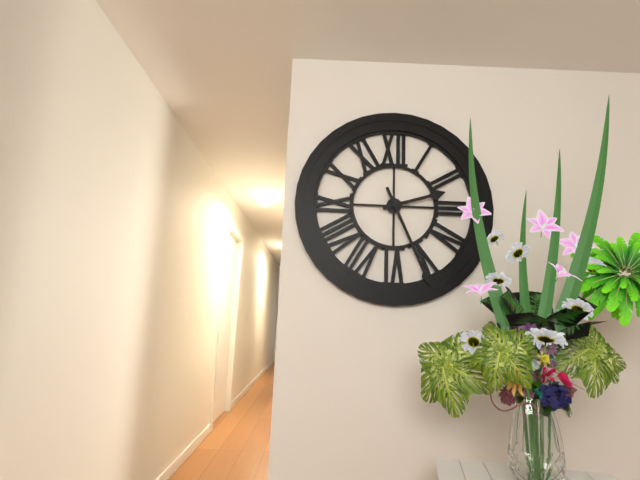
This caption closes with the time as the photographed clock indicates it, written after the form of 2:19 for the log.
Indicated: 2:26
